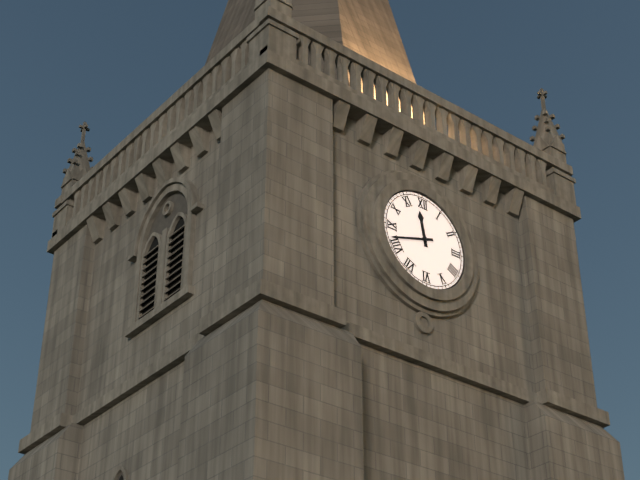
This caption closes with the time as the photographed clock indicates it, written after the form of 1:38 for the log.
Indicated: 11:42
